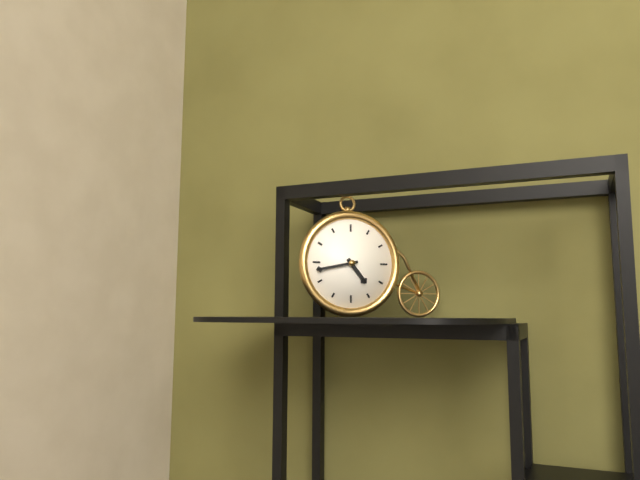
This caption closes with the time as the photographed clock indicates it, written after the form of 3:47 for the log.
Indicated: 4:43
